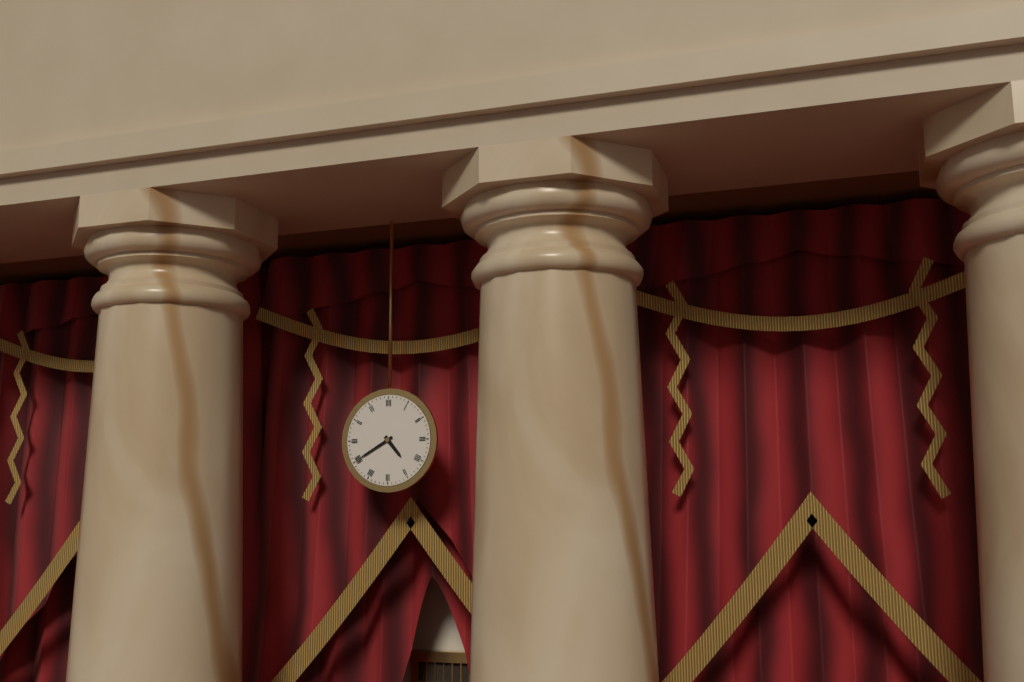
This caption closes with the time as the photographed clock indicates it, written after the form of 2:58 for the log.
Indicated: 4:40
